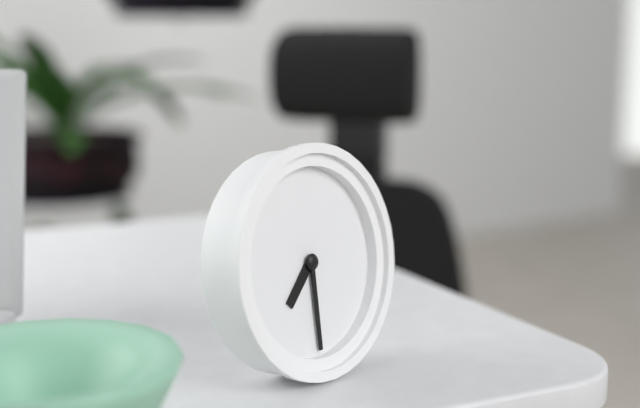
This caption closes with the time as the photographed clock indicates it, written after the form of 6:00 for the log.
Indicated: 7:30
